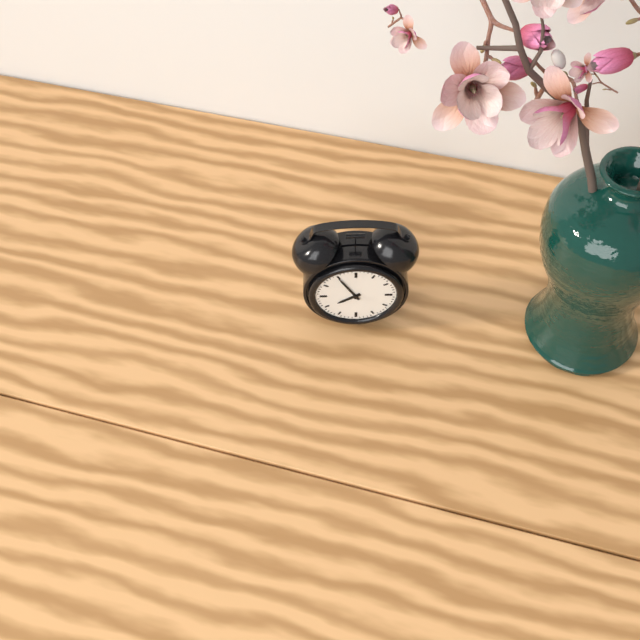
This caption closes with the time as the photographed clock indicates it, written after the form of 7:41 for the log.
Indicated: 7:55
